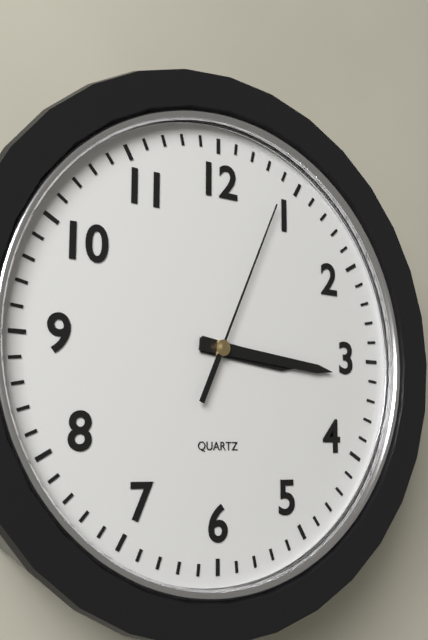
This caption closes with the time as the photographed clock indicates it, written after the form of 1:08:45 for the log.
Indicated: 3:16:04
